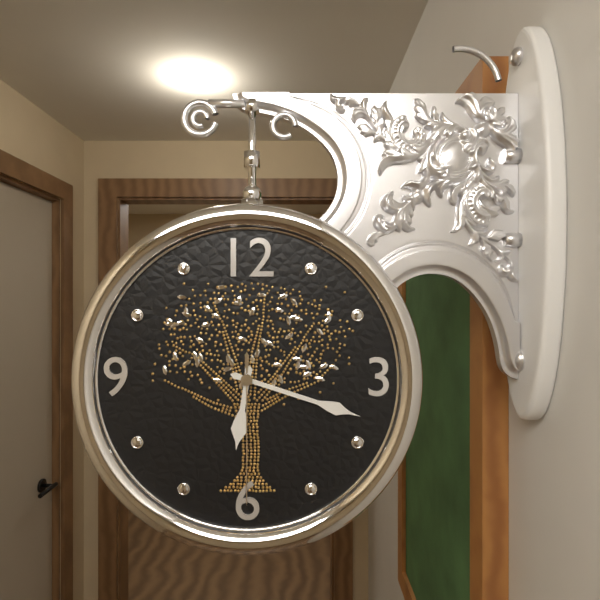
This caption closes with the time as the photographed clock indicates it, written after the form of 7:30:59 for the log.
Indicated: 6:18:30
